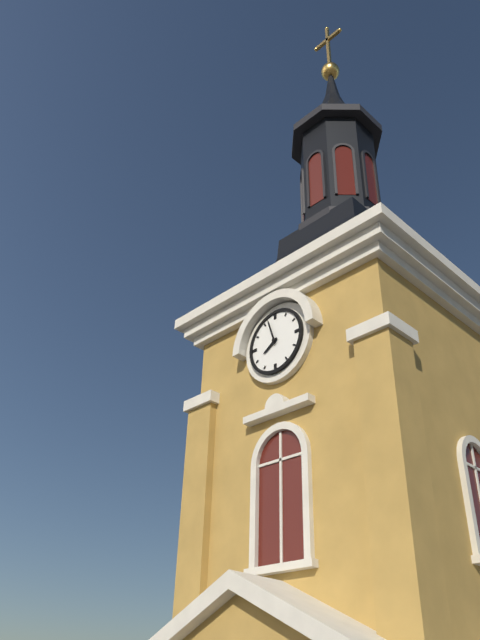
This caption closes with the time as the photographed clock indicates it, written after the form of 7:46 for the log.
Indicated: 7:57
